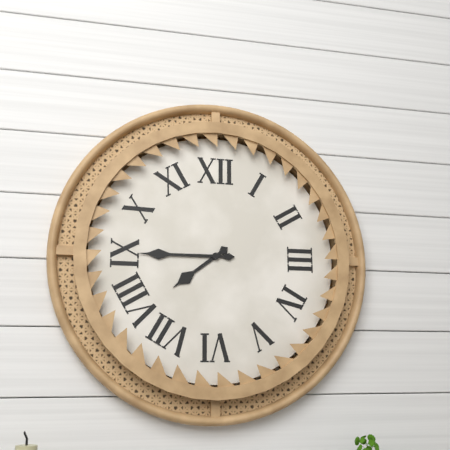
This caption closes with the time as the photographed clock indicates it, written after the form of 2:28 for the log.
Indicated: 7:45
